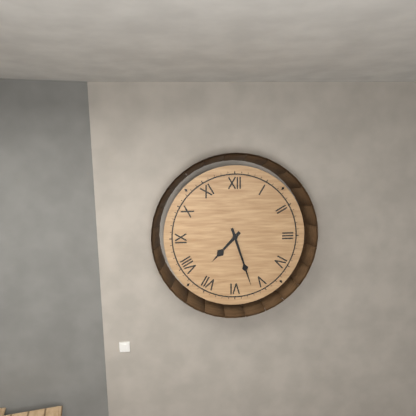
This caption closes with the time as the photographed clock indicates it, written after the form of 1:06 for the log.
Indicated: 7:27
